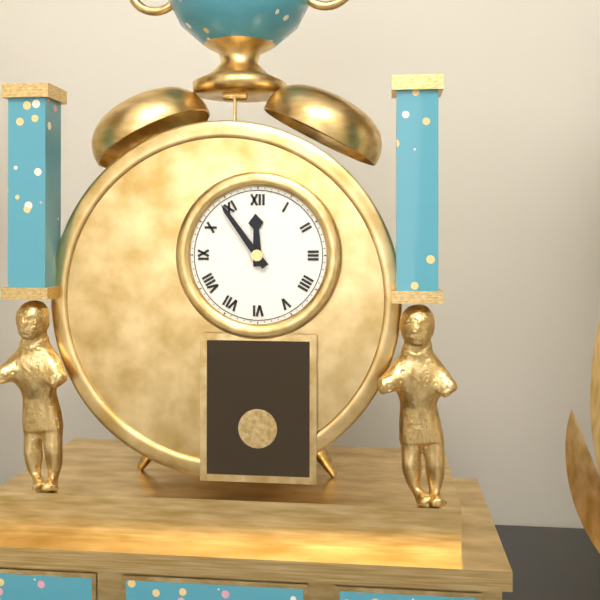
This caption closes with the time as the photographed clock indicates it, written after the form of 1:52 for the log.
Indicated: 11:54
